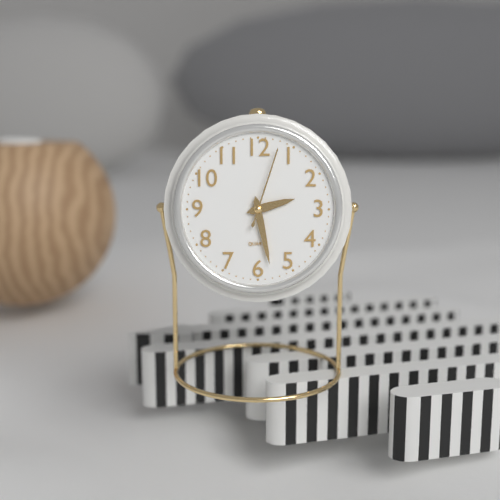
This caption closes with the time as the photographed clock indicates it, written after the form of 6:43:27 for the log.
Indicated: 2:28:03
